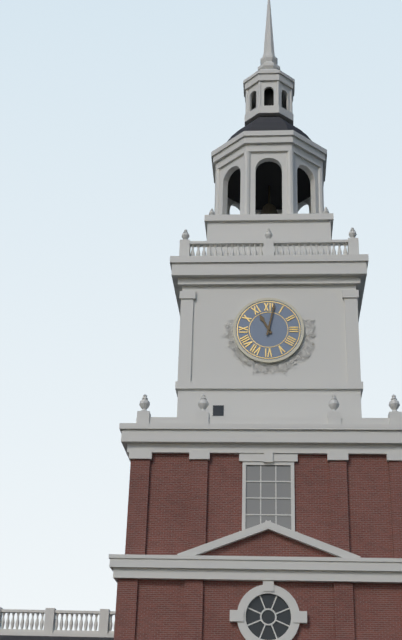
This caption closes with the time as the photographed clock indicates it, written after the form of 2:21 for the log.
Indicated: 11:02
